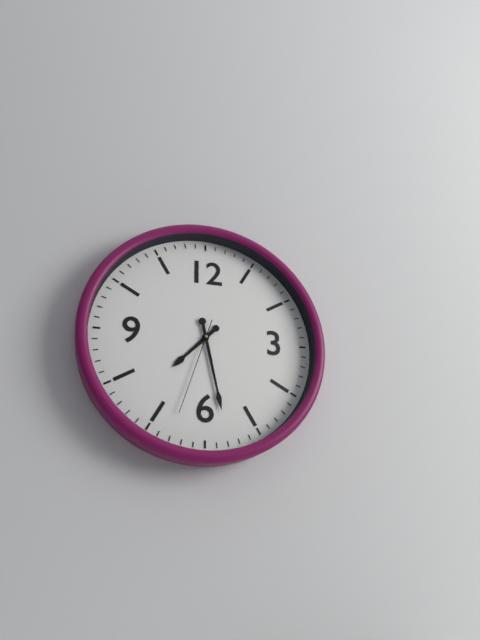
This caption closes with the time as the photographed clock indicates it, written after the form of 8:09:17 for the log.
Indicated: 7:28:33
